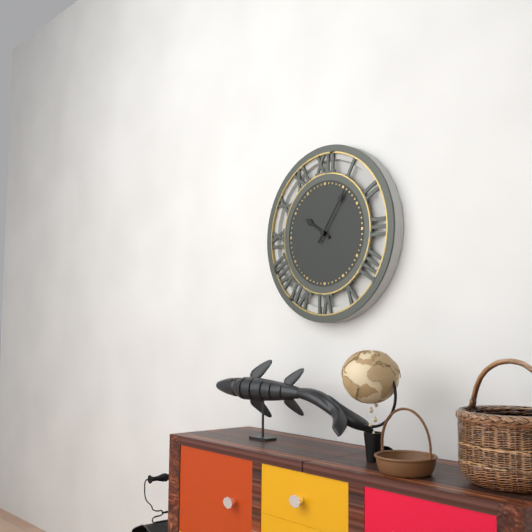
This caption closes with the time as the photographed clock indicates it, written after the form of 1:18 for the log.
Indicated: 10:06
